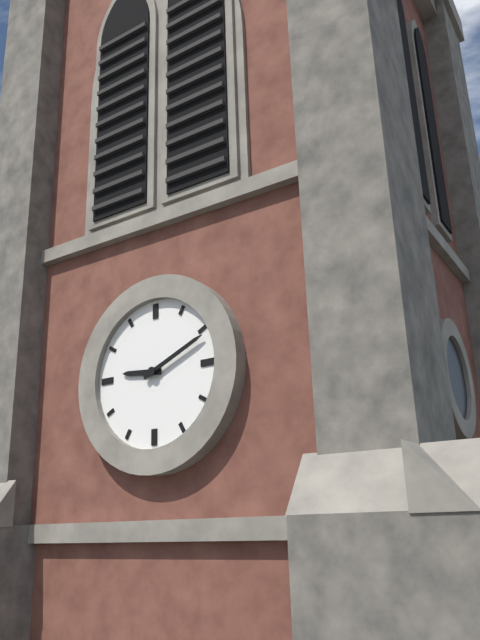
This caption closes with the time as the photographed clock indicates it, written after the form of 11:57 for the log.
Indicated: 9:11
